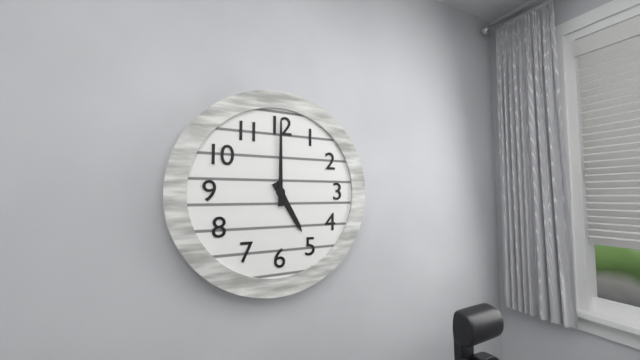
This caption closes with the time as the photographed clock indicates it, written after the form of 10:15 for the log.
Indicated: 5:00
